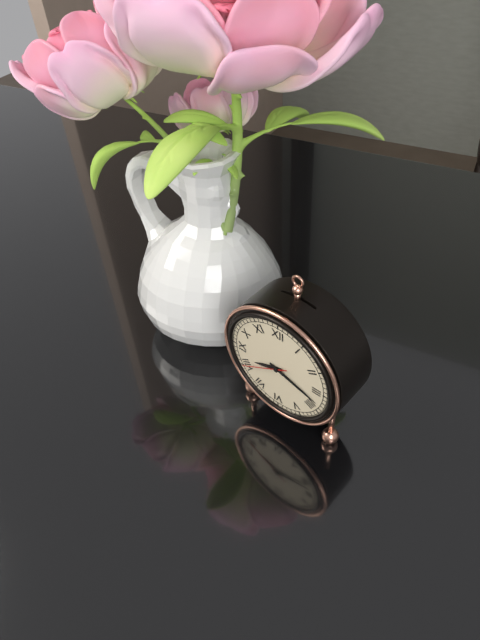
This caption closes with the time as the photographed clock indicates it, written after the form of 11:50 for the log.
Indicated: 8:18
